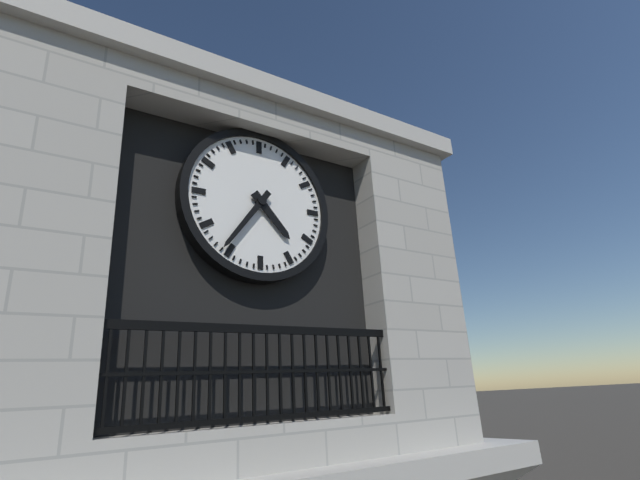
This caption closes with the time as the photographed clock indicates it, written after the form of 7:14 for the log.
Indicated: 4:36
